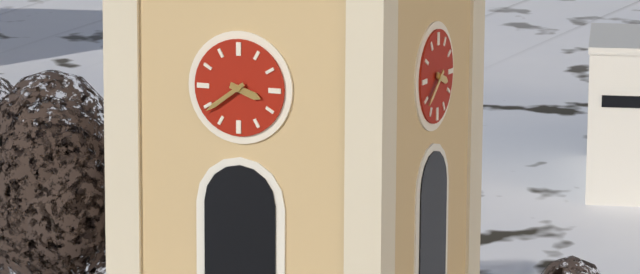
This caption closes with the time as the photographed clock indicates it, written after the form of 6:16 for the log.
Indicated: 3:39
